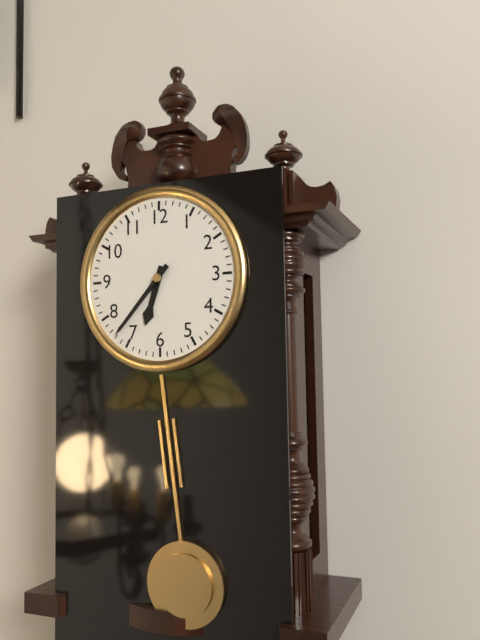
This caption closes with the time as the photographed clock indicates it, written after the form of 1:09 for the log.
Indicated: 6:37
